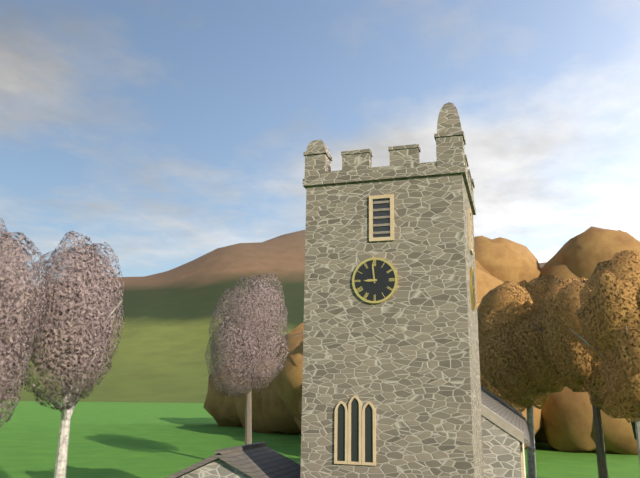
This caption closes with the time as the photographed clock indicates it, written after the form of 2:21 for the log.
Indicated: 8:59
